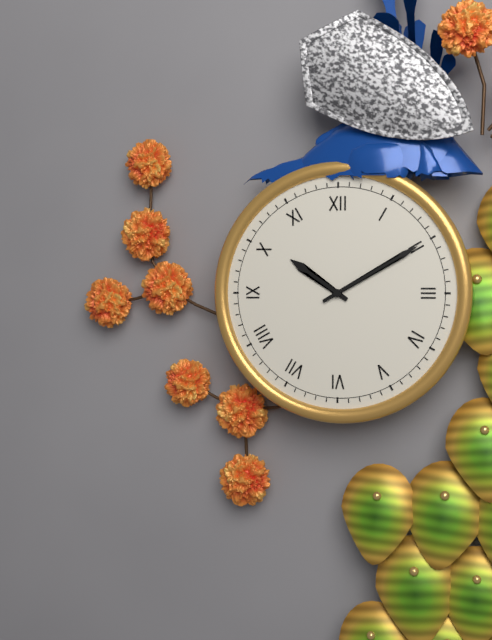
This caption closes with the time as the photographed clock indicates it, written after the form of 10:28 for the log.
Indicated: 10:10
